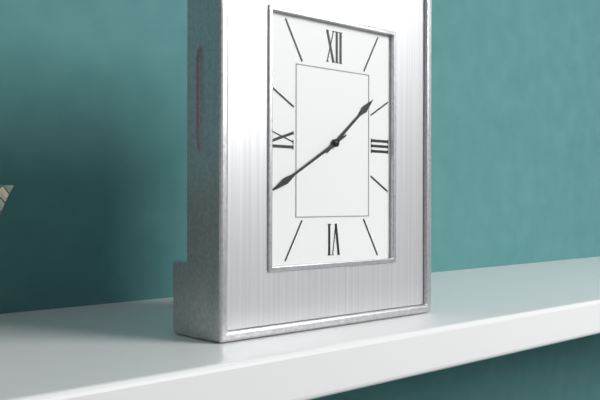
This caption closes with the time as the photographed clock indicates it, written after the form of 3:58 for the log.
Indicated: 1:40
